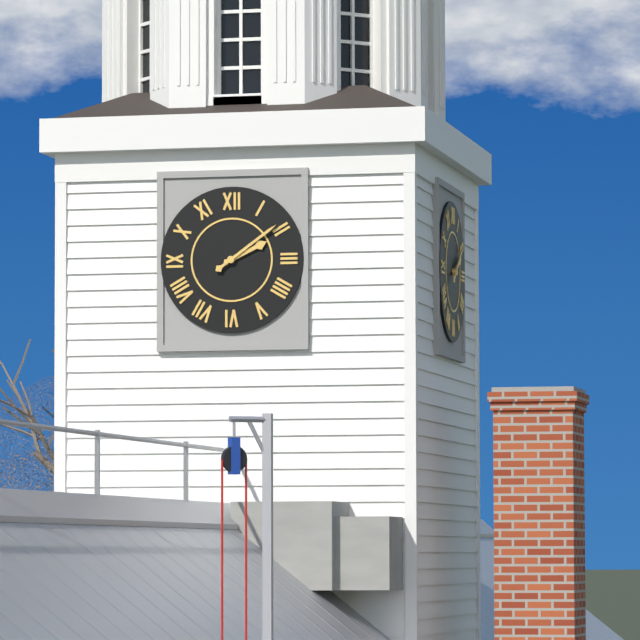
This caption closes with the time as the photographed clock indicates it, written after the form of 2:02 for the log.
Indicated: 2:09
